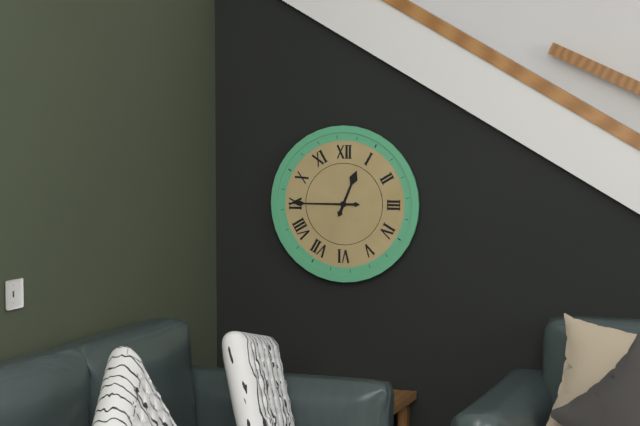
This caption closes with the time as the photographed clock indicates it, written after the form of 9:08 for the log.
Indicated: 12:45
